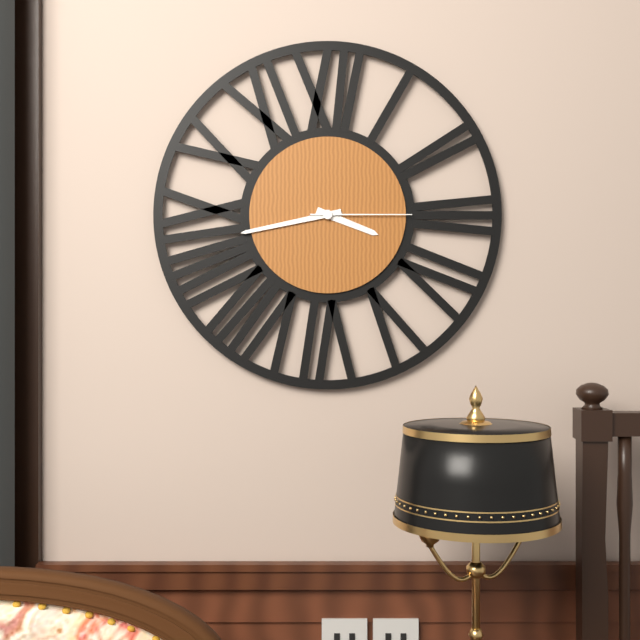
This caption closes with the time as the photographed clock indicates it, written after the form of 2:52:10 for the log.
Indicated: 3:43:15
